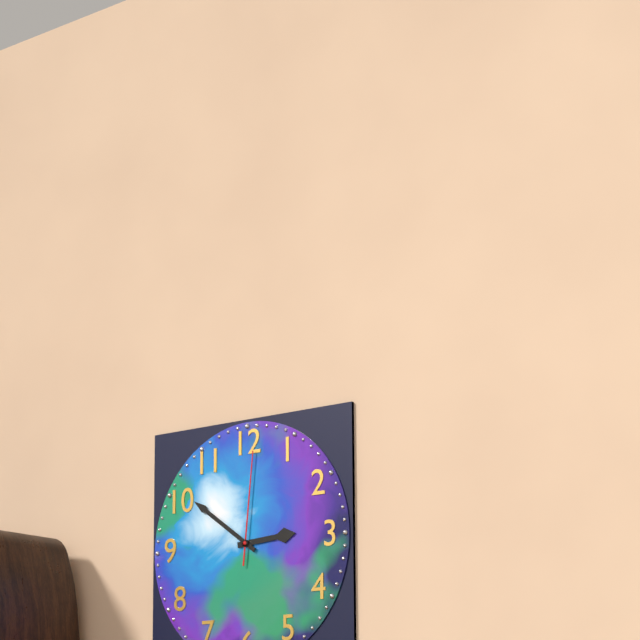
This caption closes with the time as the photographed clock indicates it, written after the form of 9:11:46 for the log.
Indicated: 2:51:01
